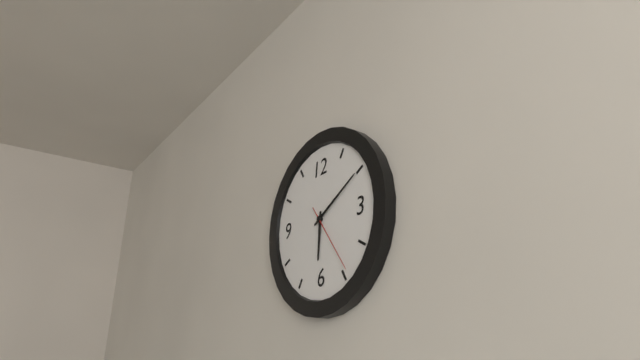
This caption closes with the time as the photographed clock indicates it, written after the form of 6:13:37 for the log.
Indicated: 6:10:24
